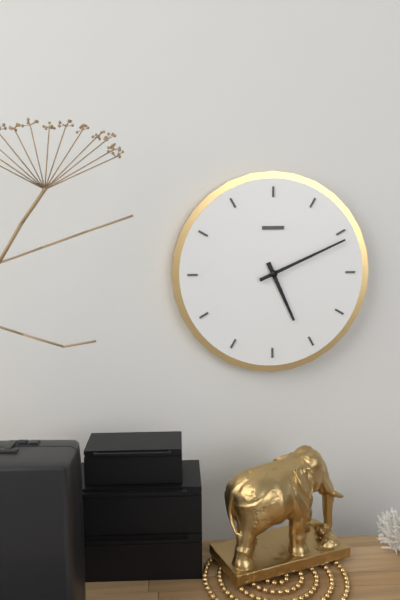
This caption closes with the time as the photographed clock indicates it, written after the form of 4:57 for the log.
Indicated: 5:11
